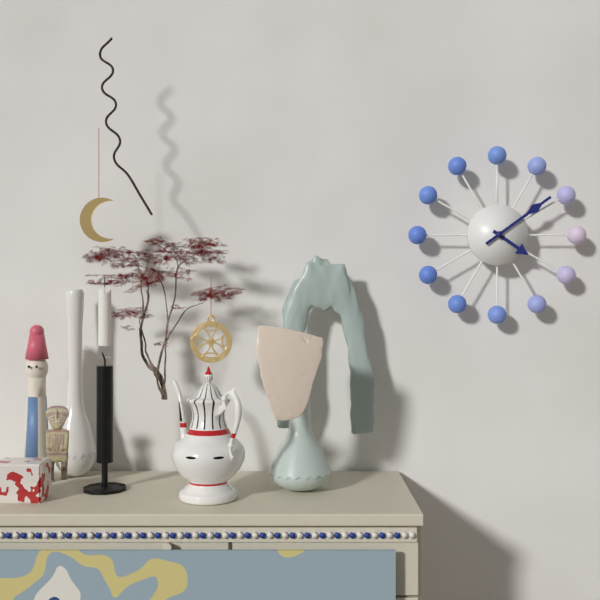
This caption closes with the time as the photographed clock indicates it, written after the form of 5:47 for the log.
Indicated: 4:09
